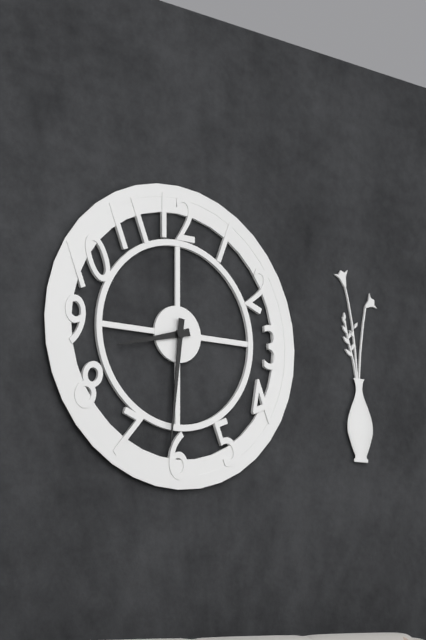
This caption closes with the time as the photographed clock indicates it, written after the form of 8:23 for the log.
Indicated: 8:31
